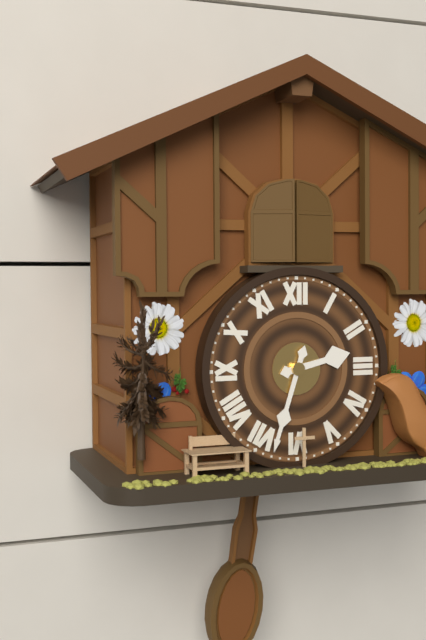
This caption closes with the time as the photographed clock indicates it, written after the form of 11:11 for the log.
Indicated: 2:33
